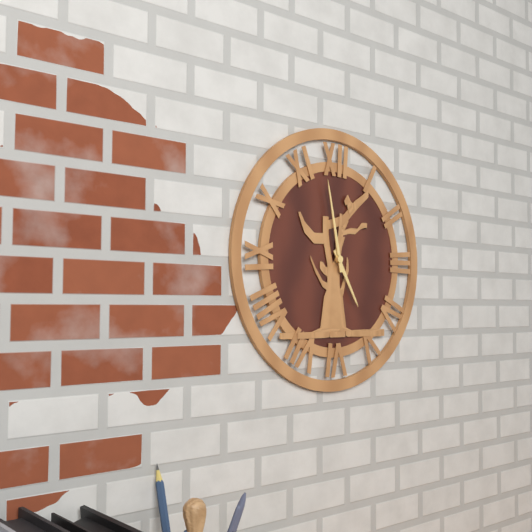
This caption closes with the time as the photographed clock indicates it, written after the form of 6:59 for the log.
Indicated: 4:58
